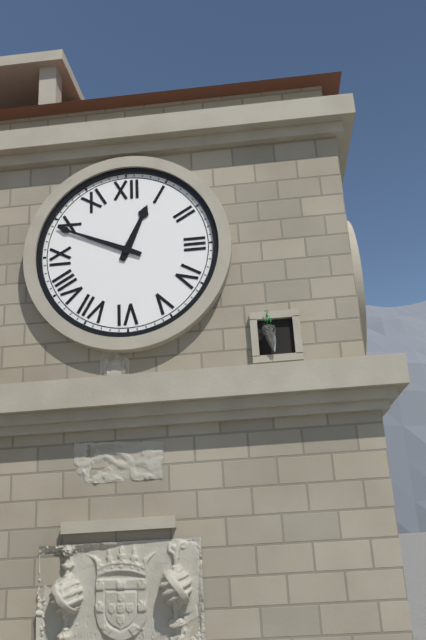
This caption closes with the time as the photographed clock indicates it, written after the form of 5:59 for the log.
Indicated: 12:49
